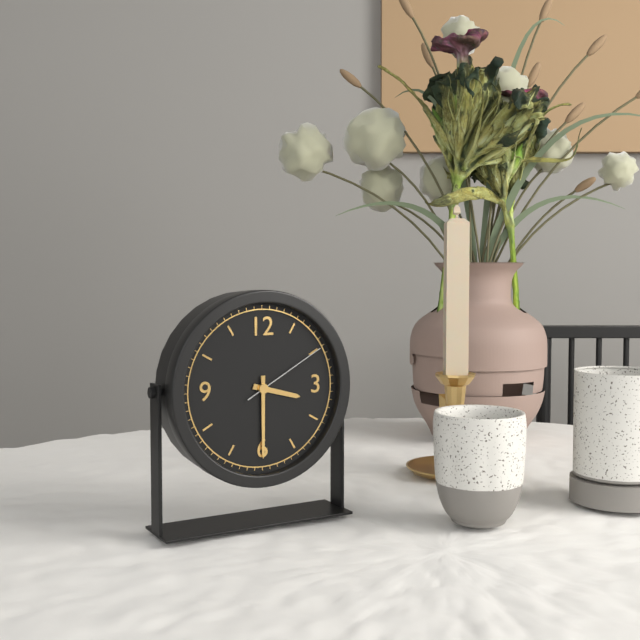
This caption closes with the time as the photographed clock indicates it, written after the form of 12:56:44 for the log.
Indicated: 3:30:10
